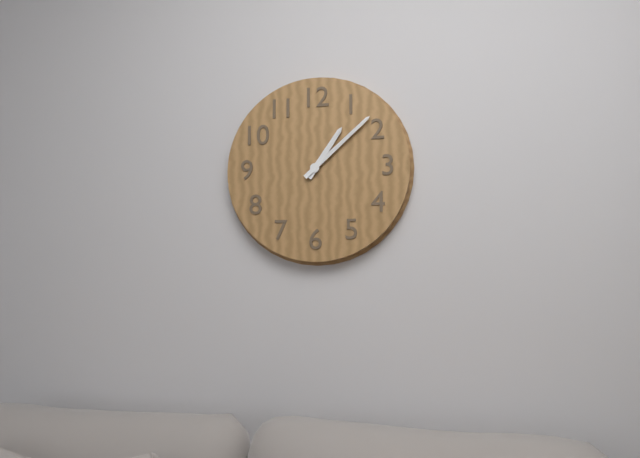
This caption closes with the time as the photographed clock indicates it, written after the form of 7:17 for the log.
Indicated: 1:08
